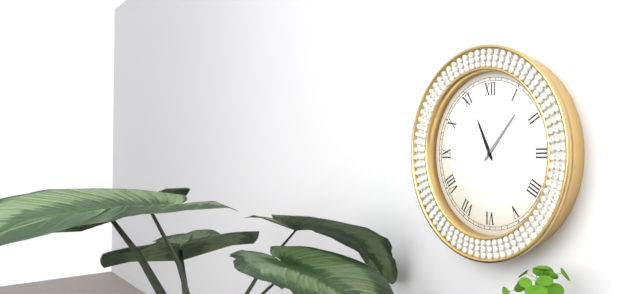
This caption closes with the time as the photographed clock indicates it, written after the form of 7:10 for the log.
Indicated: 11:07
